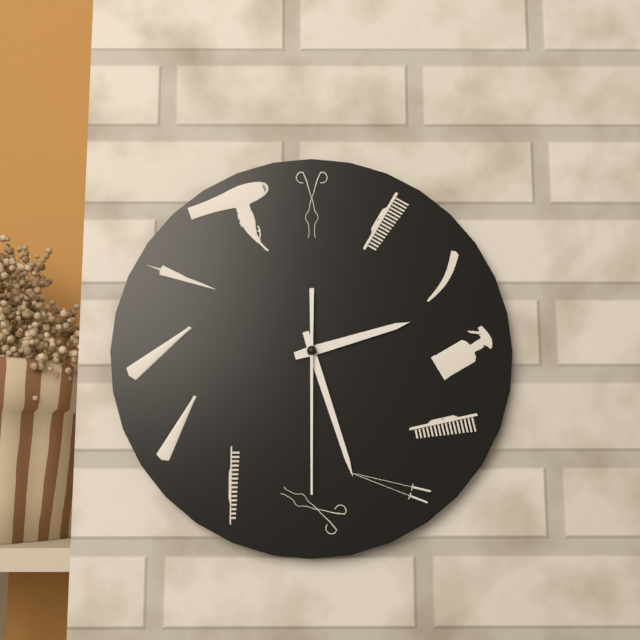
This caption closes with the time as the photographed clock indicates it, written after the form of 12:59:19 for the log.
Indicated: 2:27:30
